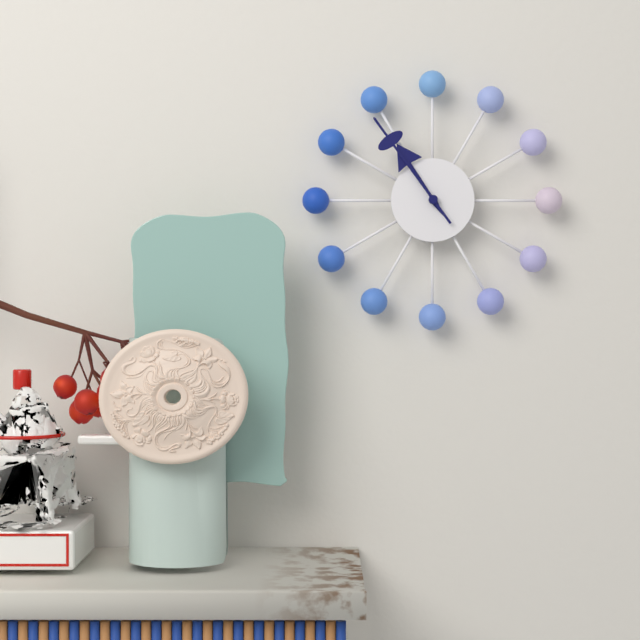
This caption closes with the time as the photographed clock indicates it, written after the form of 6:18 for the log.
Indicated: 10:54
